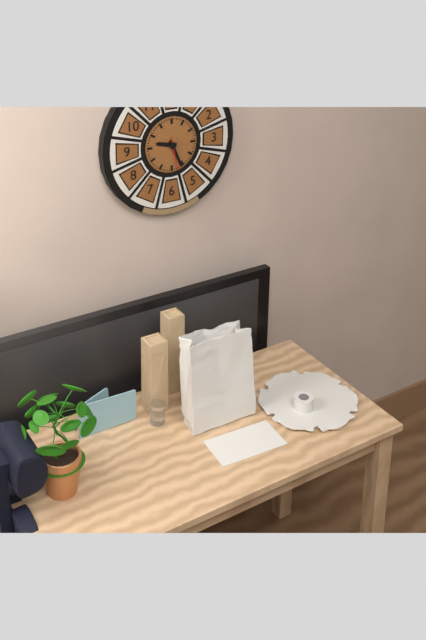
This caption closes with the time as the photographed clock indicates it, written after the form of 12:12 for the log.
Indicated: 9:26
